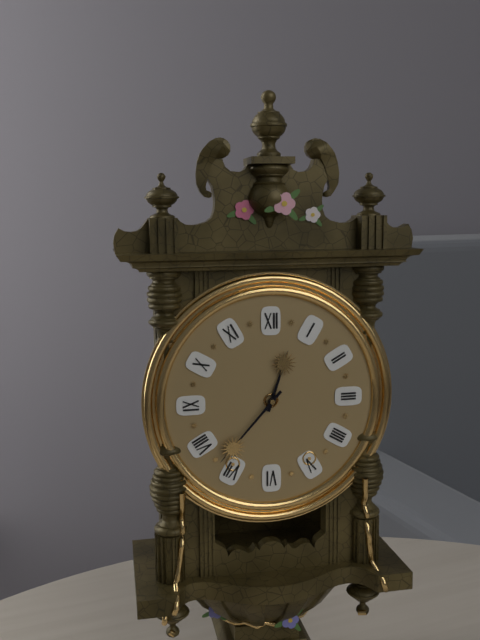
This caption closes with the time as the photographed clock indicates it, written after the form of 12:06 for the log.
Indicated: 12:37
